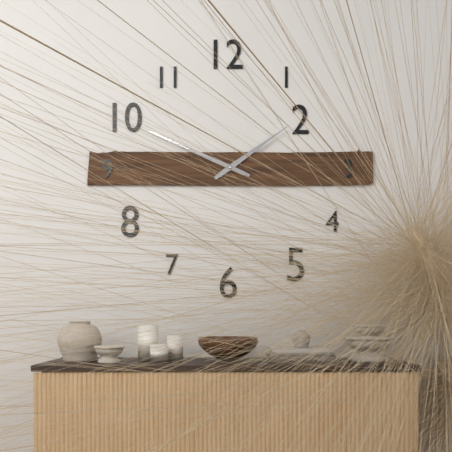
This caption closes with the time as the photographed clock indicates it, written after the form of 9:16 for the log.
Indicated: 1:49
